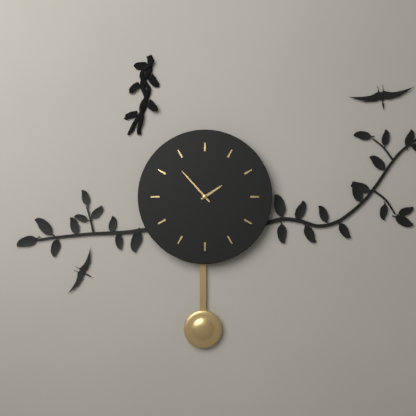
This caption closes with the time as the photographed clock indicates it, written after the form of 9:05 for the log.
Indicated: 1:53
